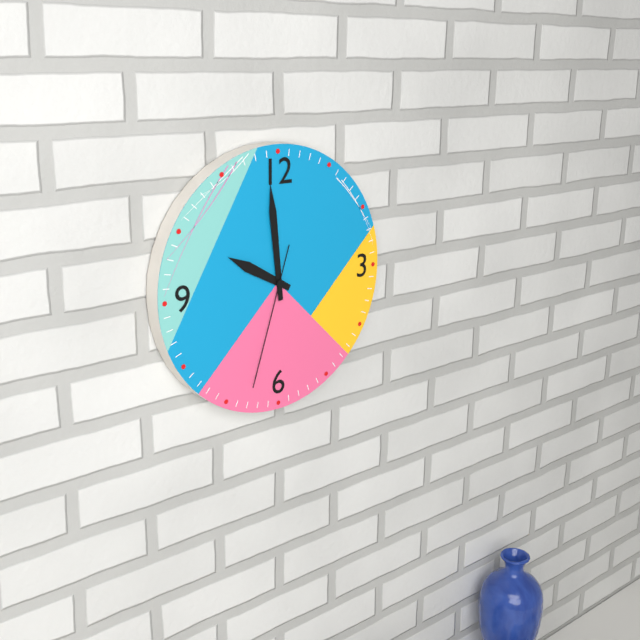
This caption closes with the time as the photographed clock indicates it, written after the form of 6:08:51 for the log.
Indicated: 9:59:33
